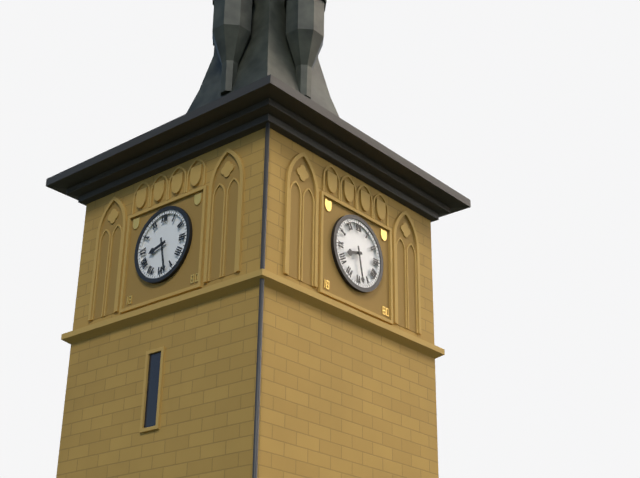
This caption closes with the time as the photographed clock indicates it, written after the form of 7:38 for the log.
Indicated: 8:28
